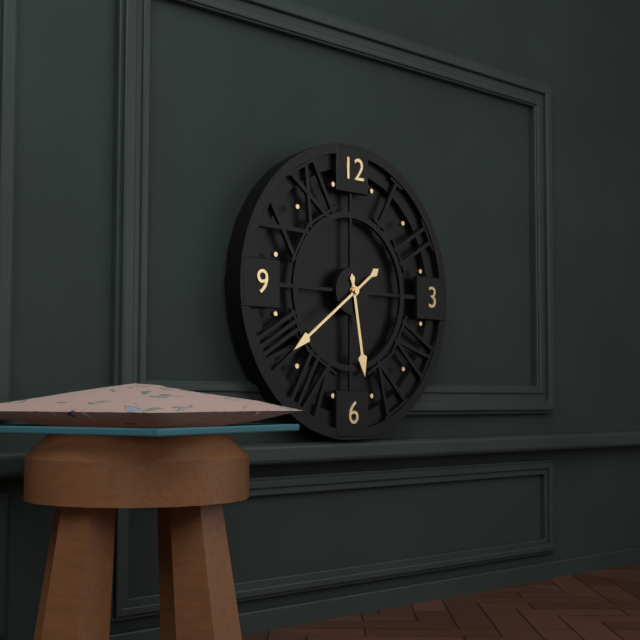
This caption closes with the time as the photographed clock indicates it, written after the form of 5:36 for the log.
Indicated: 5:39
